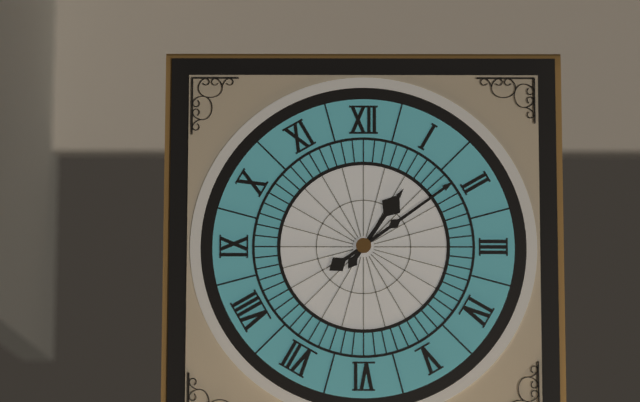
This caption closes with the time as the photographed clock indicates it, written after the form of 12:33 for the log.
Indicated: 1:09
